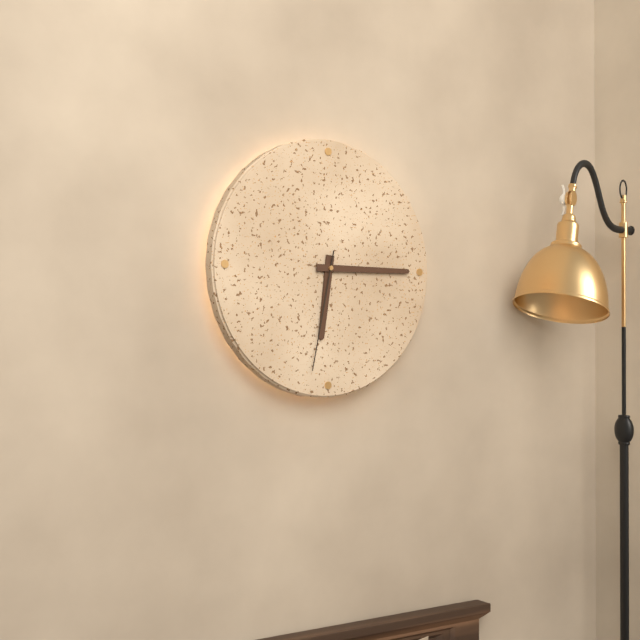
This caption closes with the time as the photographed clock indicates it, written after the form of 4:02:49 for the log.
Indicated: 6:15:32
